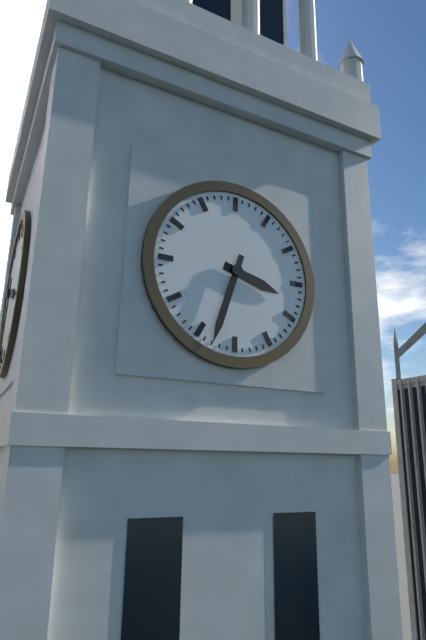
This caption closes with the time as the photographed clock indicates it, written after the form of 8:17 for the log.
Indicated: 3:33
